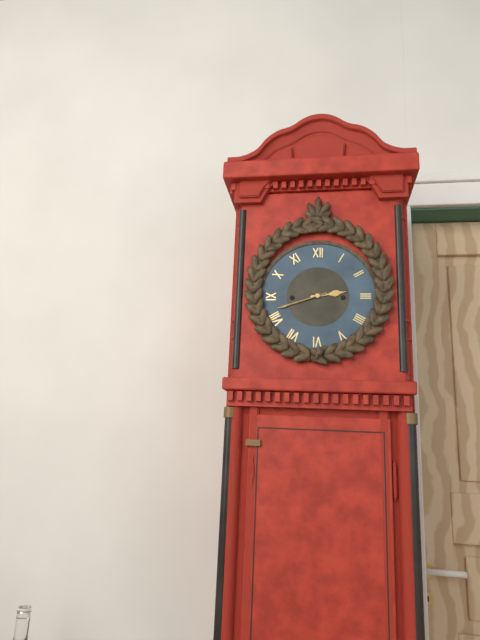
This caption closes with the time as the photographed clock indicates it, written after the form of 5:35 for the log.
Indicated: 2:42
